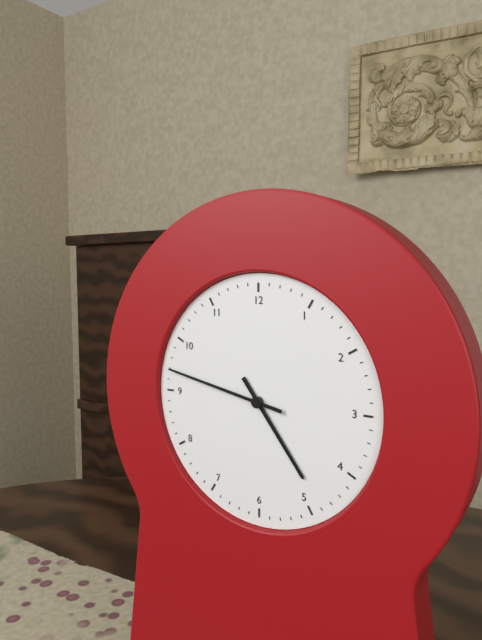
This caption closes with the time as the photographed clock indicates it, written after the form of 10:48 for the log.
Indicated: 4:47
